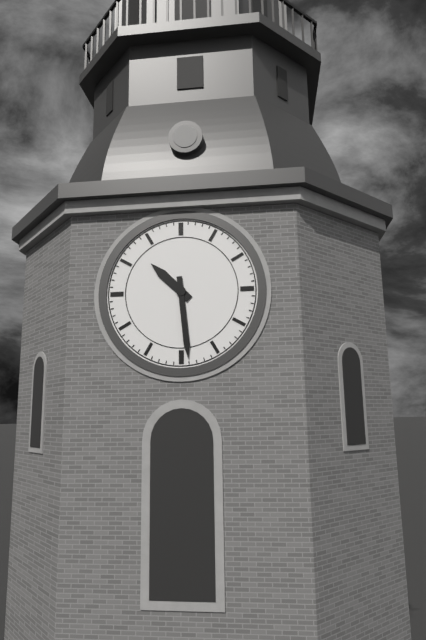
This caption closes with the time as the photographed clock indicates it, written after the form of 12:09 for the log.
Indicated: 10:29
